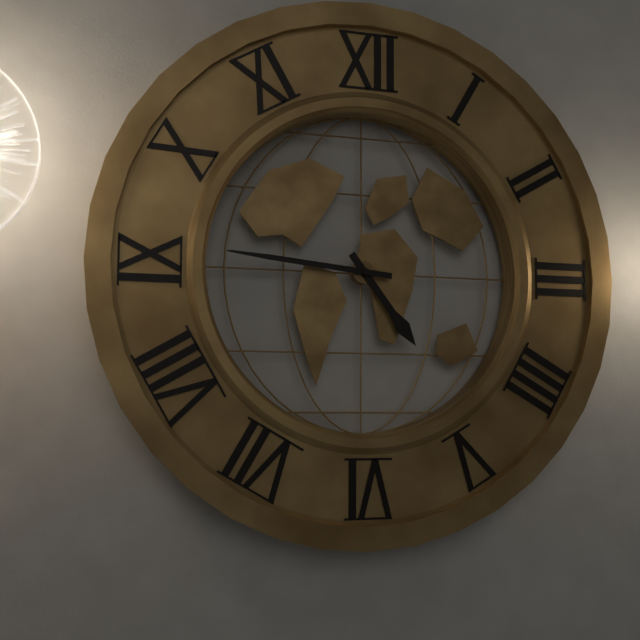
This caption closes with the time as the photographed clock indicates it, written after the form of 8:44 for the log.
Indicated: 4:46
